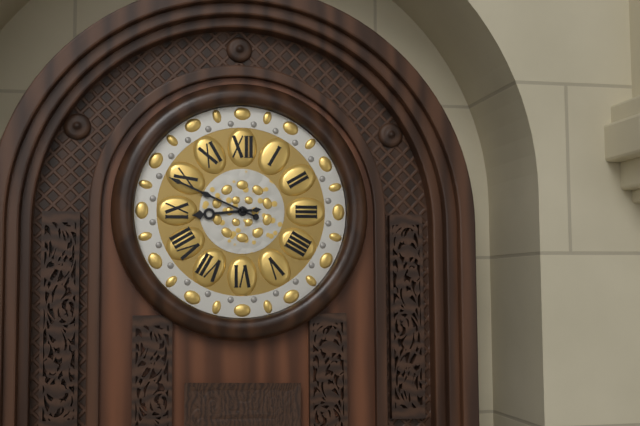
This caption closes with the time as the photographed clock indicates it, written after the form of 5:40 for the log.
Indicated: 8:49
